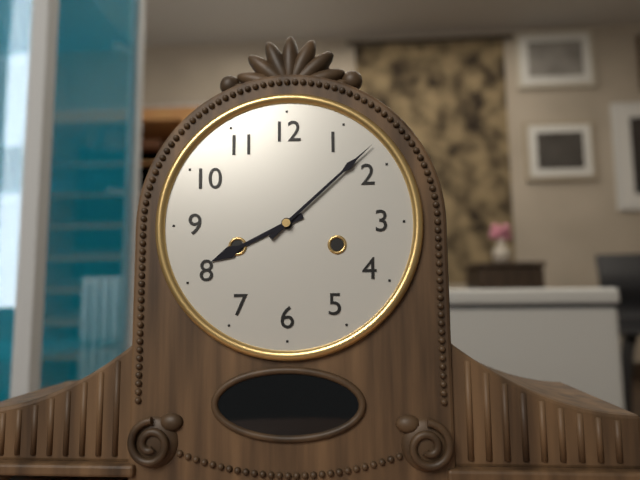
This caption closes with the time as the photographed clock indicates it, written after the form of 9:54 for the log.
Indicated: 8:08
